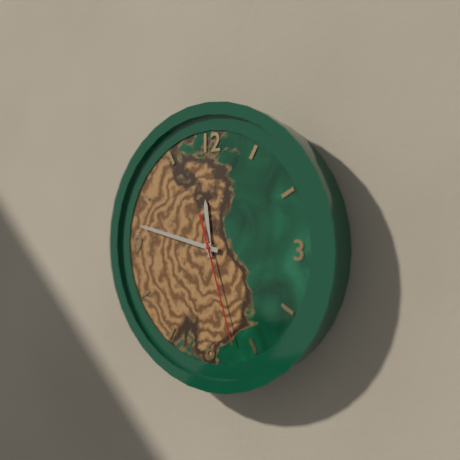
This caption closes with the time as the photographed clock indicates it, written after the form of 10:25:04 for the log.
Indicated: 11:47:27
